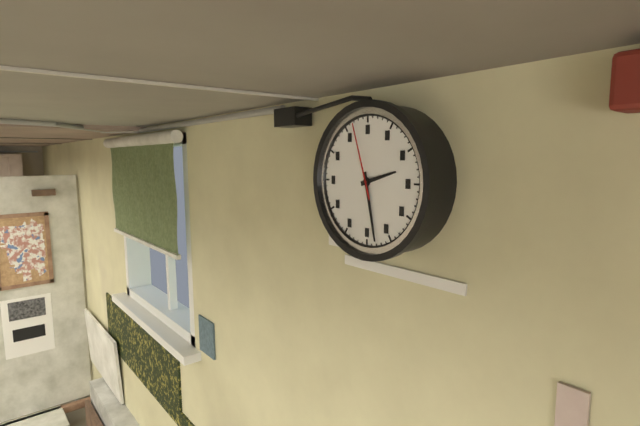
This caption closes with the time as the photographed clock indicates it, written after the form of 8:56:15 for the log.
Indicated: 2:28:57
